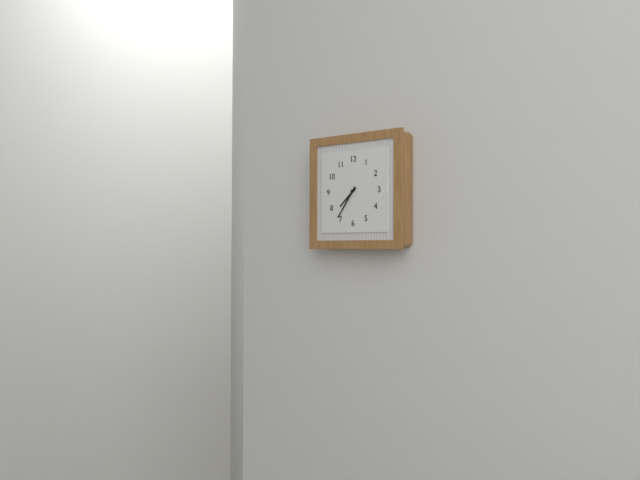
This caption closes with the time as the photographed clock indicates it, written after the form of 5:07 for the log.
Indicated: 7:36
